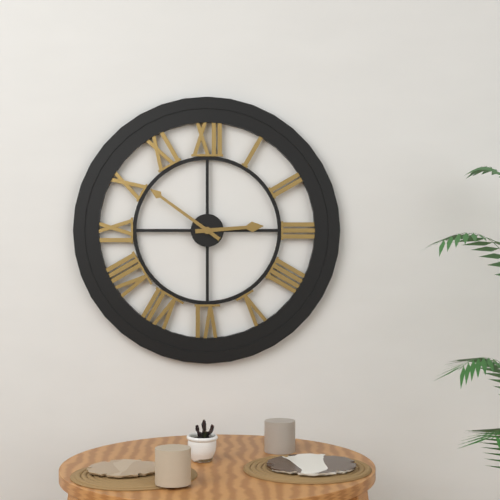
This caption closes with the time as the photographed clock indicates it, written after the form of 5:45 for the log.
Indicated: 2:51
